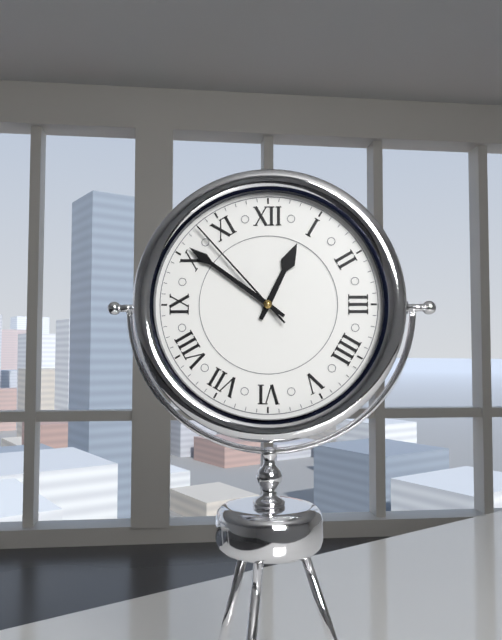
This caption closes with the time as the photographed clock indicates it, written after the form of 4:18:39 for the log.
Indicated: 12:51:53
